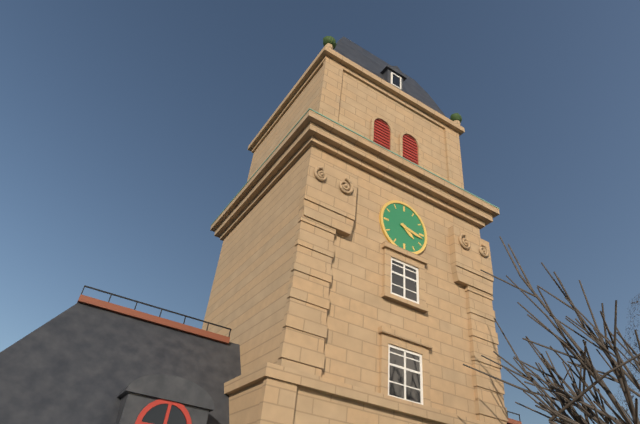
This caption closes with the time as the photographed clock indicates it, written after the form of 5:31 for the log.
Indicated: 4:17
